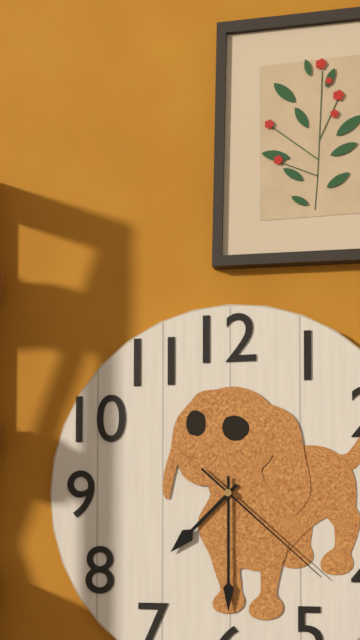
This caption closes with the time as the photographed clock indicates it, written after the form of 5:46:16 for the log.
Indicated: 7:30:22
